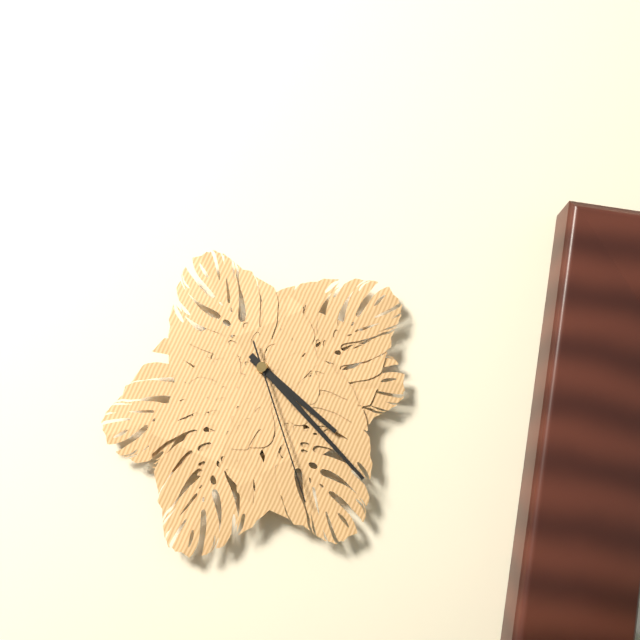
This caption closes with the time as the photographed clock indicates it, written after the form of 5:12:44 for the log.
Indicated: 4:23:27
